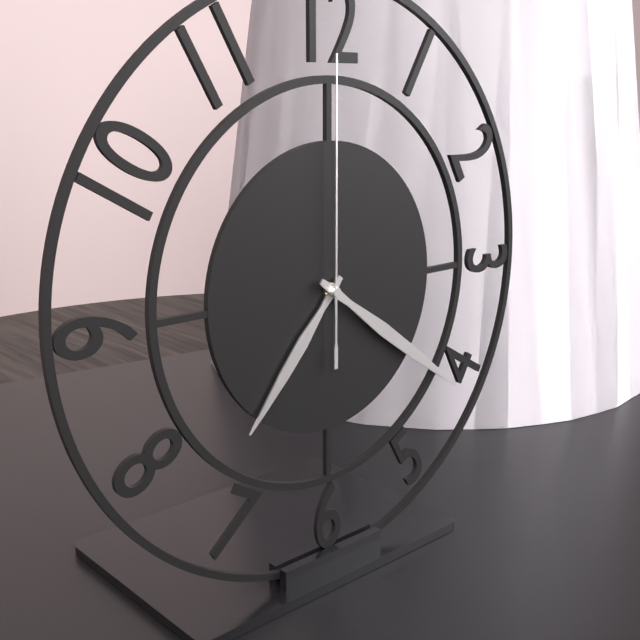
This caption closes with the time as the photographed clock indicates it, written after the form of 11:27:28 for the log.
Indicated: 7:21:00
